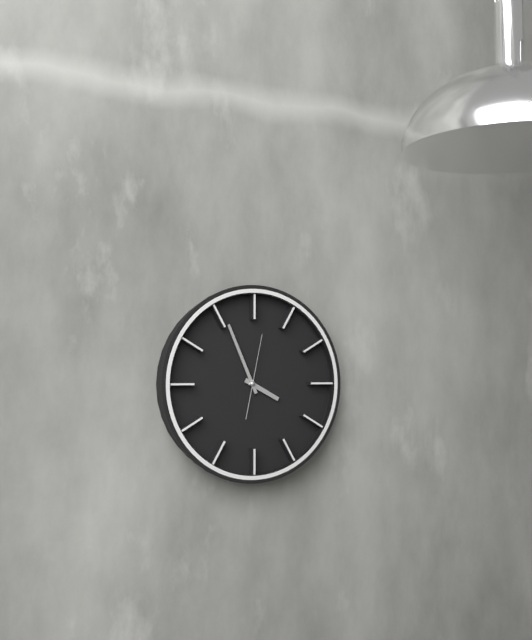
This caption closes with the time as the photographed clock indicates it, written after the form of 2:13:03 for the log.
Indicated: 3:56:02
